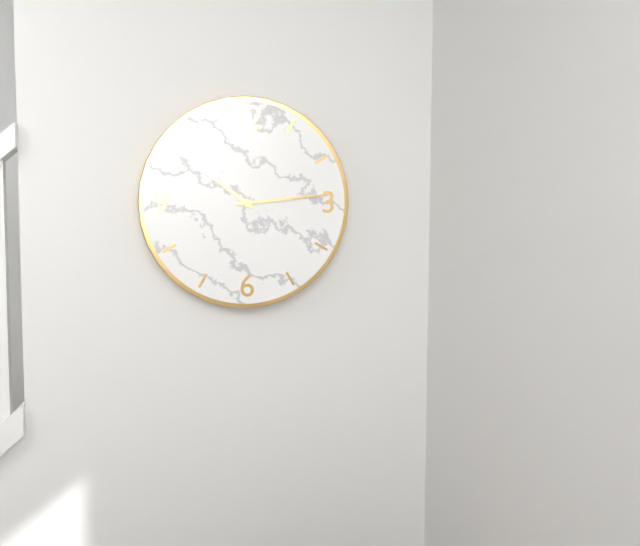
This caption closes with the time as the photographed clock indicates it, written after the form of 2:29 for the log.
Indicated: 10:14
